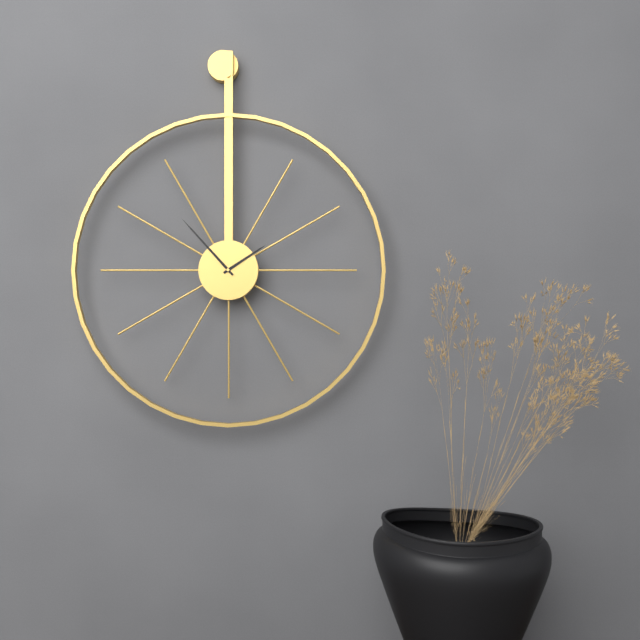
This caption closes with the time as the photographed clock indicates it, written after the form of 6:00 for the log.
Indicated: 1:53
